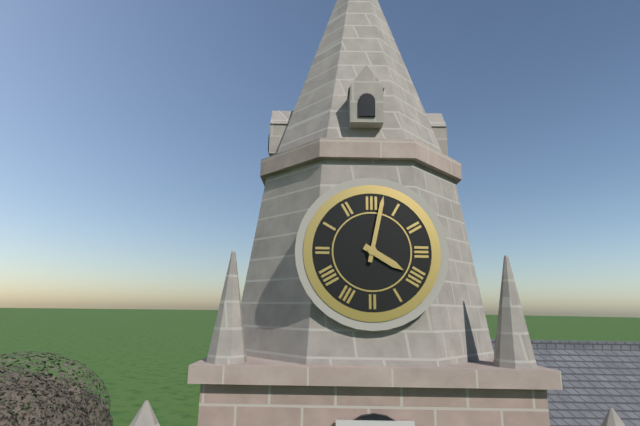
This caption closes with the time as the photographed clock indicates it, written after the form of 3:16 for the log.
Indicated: 4:02
